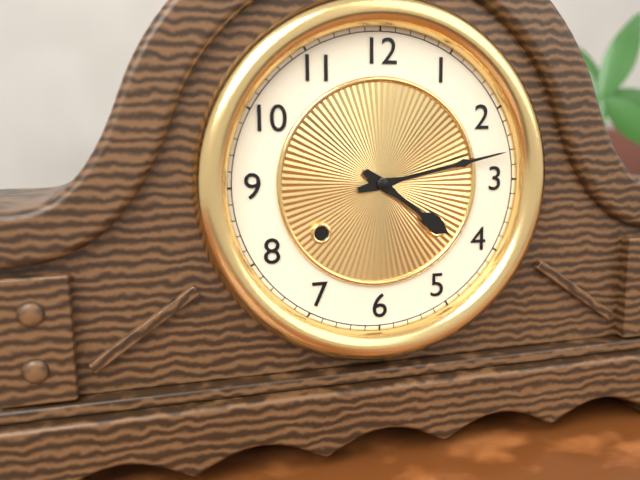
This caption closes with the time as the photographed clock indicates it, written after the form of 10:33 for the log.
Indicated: 4:13
